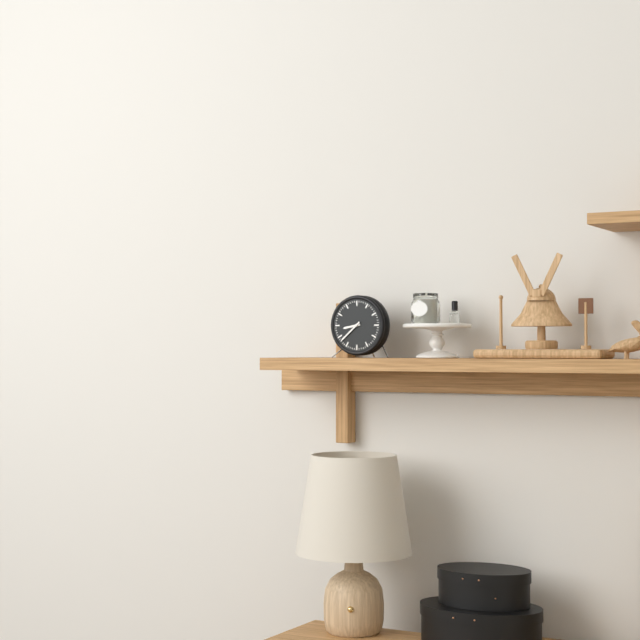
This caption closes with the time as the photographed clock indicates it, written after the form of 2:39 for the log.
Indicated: 8:38
